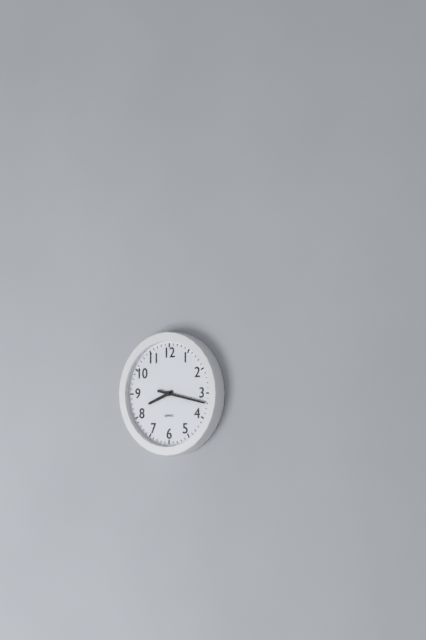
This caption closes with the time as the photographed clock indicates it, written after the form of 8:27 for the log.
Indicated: 8:17
